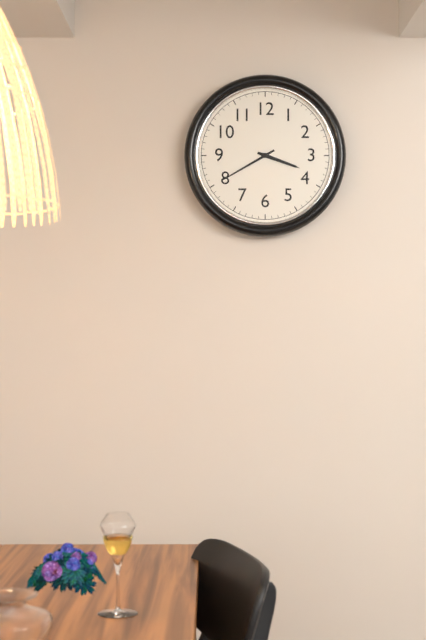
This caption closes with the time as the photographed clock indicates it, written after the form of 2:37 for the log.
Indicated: 3:40
